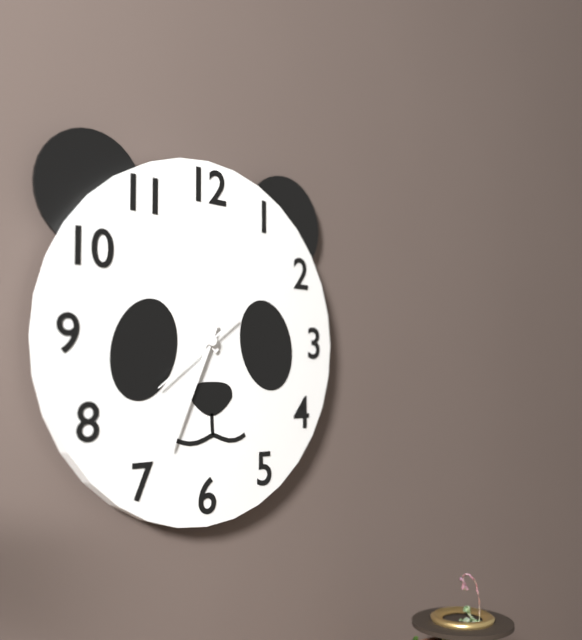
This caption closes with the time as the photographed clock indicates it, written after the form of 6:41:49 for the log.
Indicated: 10:34:39
